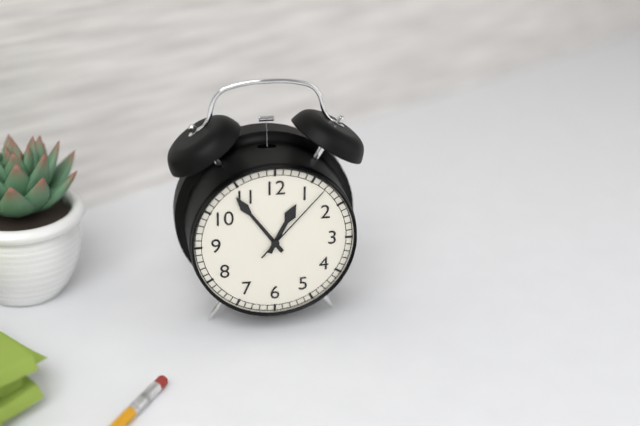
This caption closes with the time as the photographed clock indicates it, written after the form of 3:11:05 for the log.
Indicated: 12:54:07
